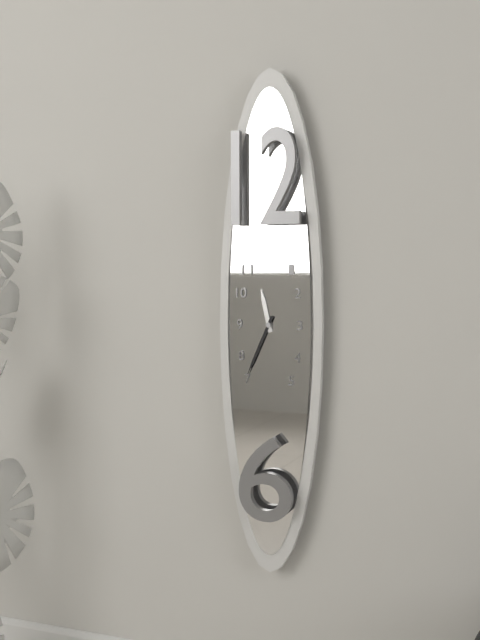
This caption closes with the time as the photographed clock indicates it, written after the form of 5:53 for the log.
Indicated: 11:34
